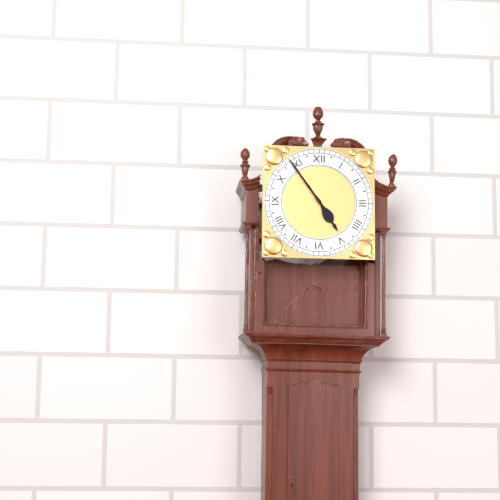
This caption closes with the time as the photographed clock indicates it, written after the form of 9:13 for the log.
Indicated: 4:54
